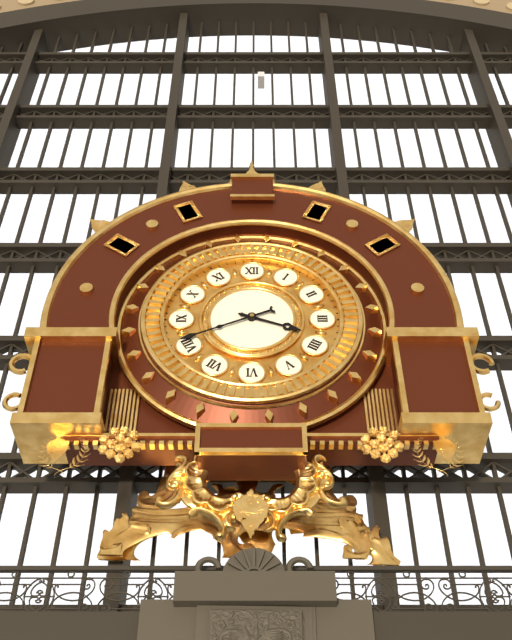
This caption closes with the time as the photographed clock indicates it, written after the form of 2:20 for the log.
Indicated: 3:41
